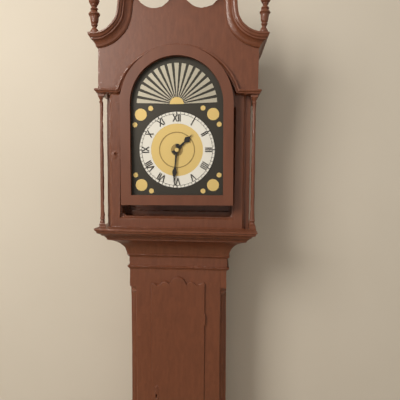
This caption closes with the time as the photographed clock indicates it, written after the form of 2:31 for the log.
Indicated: 1:31
